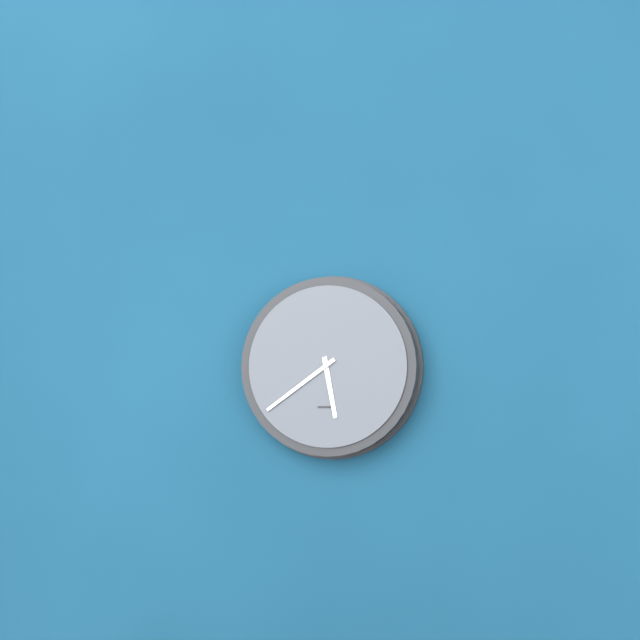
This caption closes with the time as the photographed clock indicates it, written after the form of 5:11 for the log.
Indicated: 5:39
